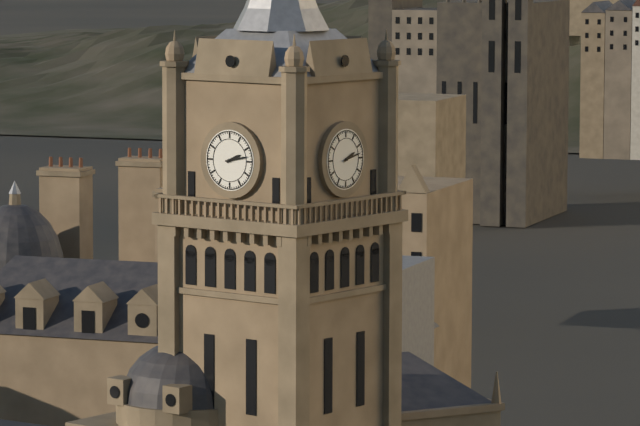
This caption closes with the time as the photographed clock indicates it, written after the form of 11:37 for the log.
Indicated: 2:13
